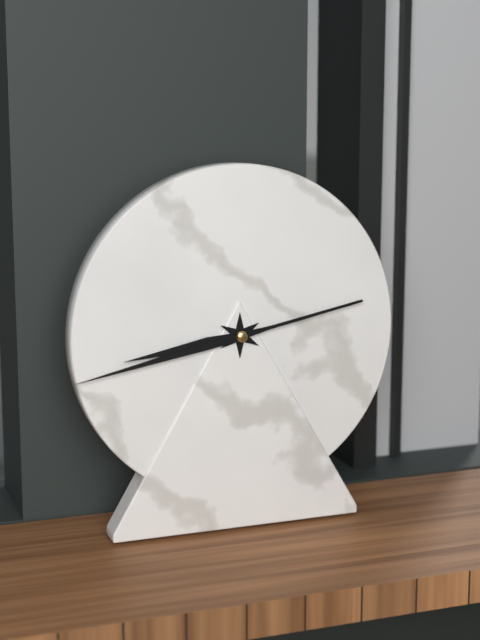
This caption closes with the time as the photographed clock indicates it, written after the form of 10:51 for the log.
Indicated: 8:43
